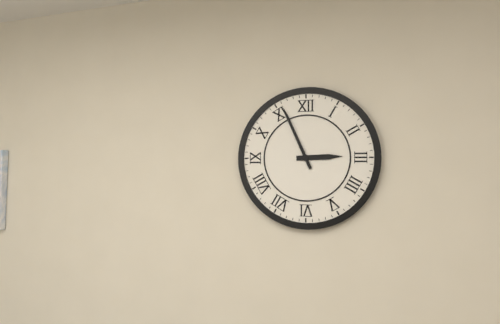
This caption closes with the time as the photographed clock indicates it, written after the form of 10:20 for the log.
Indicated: 2:56
